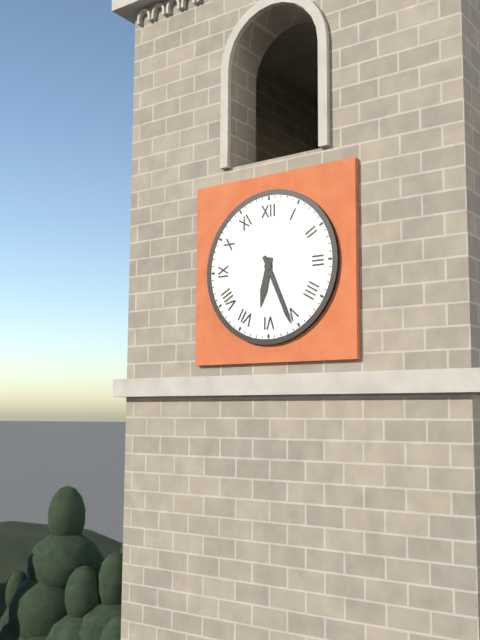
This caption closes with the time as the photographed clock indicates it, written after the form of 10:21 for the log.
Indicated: 6:26
